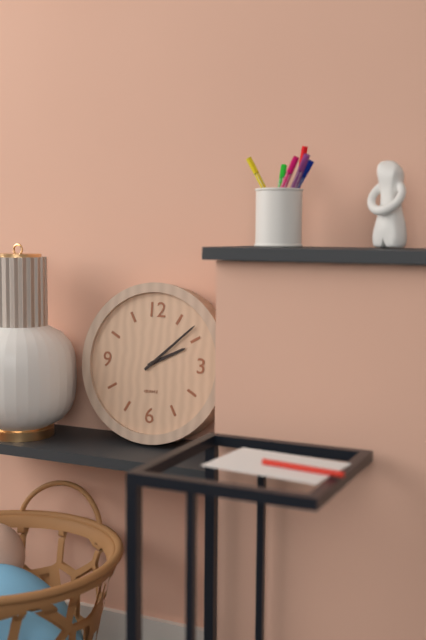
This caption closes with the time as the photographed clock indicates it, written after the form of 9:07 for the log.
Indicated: 2:08
